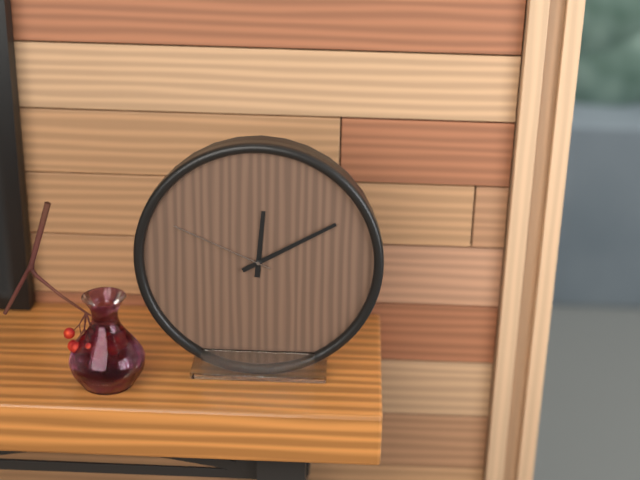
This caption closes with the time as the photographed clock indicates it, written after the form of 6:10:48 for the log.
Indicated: 12:10:49
